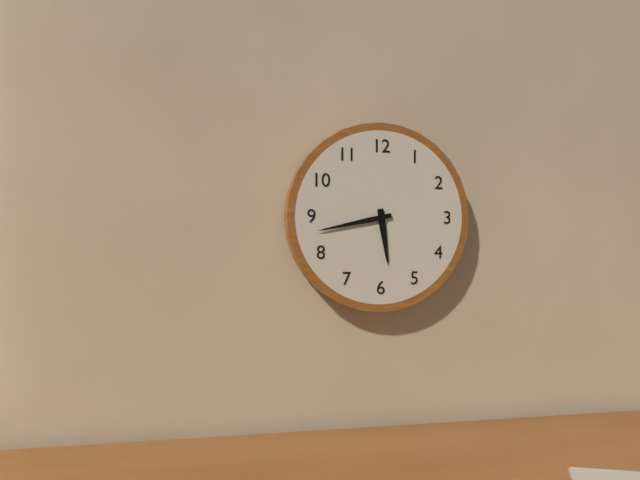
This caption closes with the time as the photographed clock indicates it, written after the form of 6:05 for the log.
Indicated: 5:43
